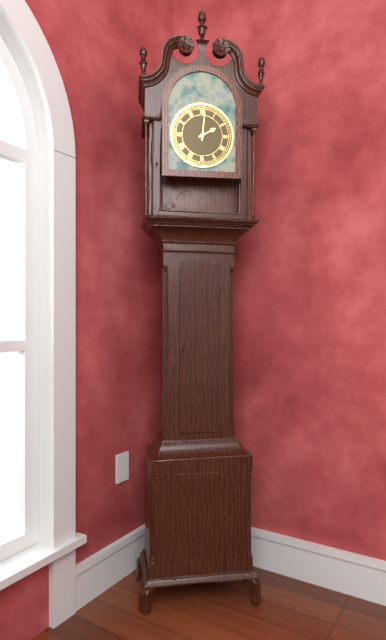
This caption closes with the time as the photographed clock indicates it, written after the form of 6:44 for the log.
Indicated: 2:01
